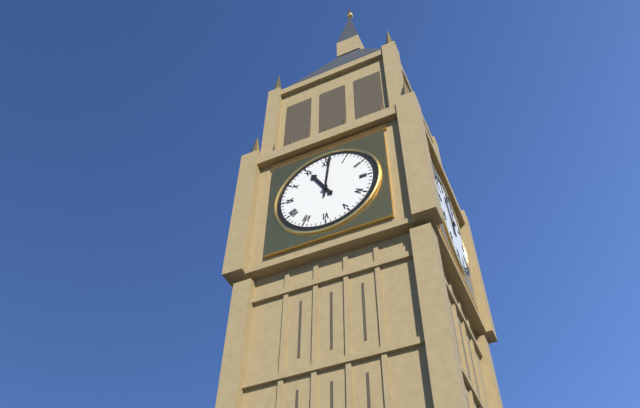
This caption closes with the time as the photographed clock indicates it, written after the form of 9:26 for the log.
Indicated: 11:01
